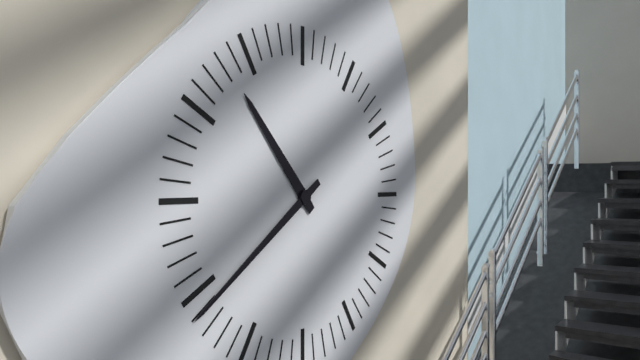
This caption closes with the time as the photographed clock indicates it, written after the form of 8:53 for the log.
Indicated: 10:39
